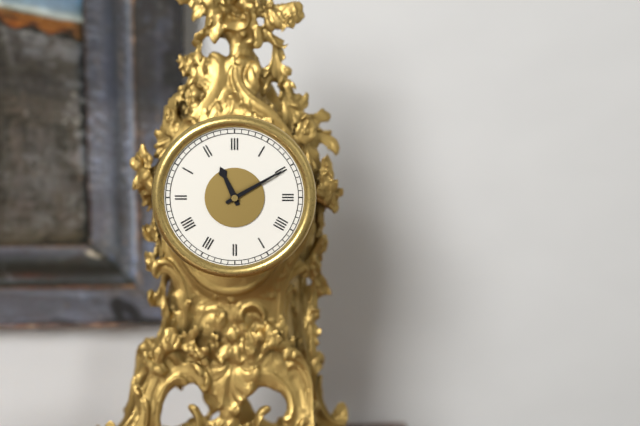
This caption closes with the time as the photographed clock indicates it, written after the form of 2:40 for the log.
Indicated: 11:10
